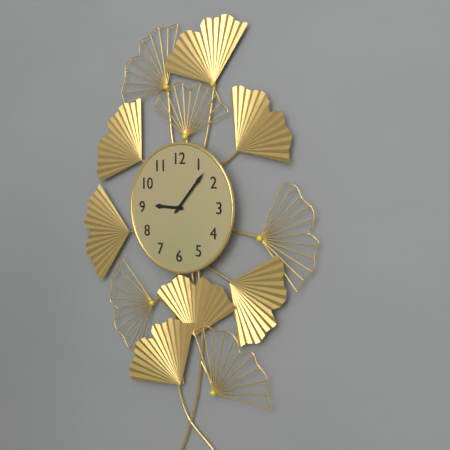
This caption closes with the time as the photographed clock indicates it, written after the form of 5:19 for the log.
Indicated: 9:07
